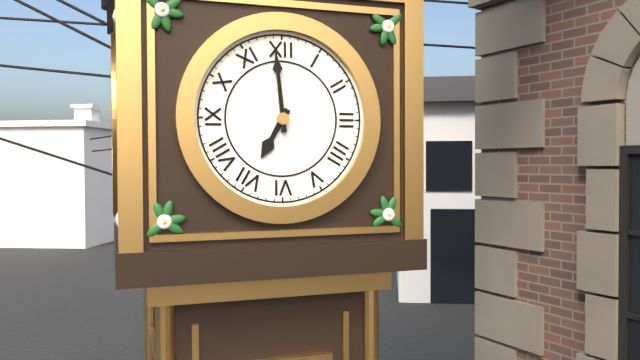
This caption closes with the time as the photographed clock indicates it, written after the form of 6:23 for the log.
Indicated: 6:59
